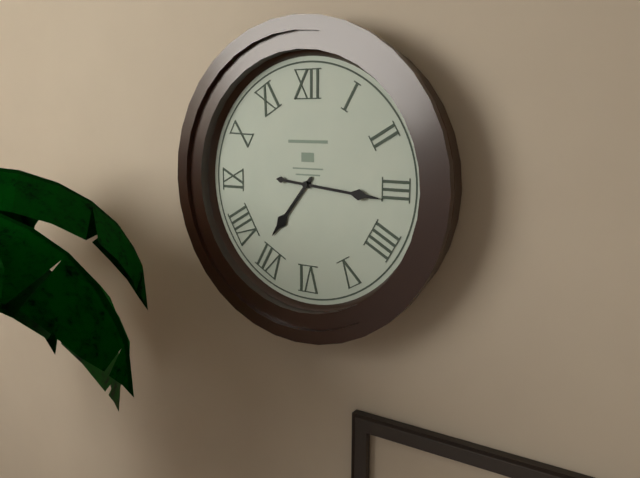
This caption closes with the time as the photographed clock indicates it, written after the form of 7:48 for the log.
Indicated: 7:16
